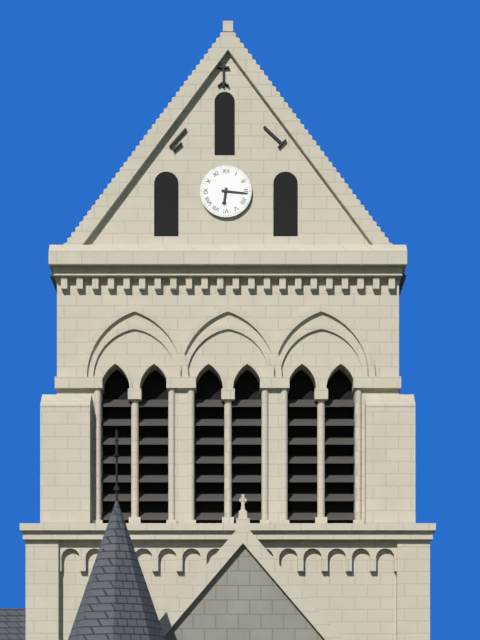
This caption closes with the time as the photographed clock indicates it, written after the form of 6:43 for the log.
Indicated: 6:16
